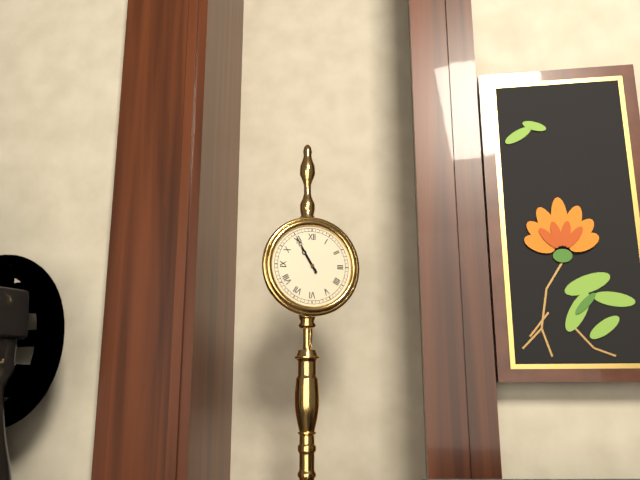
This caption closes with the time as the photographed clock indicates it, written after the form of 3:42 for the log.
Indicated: 10:55
